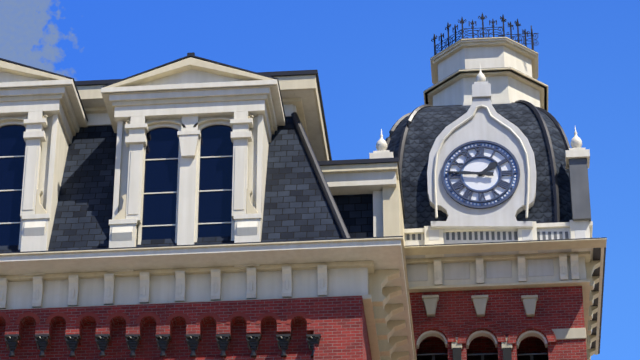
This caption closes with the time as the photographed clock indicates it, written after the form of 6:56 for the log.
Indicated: 1:46
